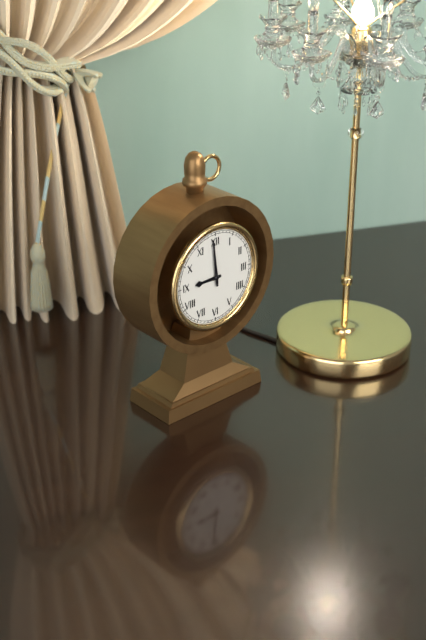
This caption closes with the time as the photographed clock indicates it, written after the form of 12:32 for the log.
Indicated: 8:59
